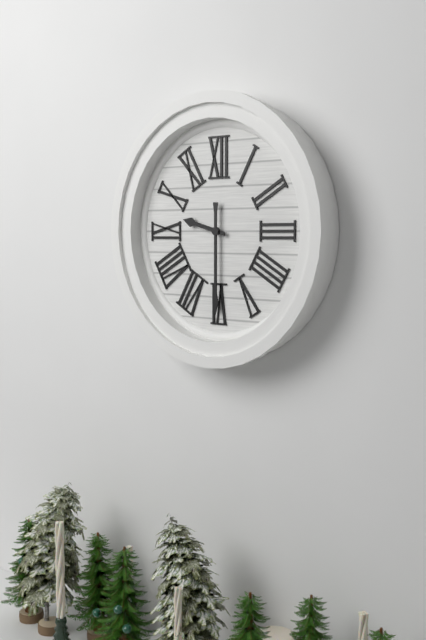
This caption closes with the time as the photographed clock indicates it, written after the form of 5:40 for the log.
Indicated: 9:30
